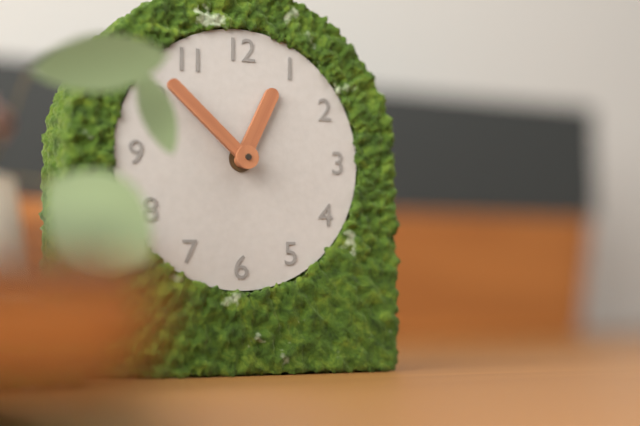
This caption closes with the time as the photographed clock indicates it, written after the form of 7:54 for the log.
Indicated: 12:52
